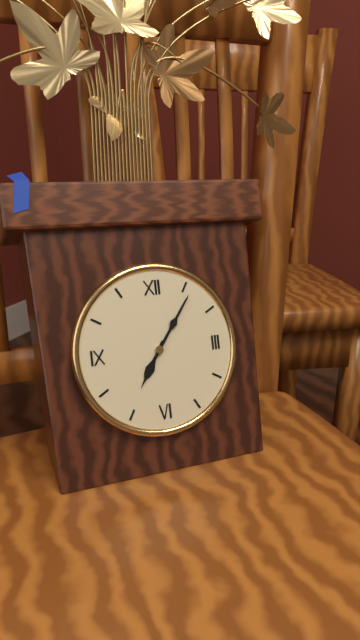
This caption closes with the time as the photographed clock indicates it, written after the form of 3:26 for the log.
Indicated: 7:06
